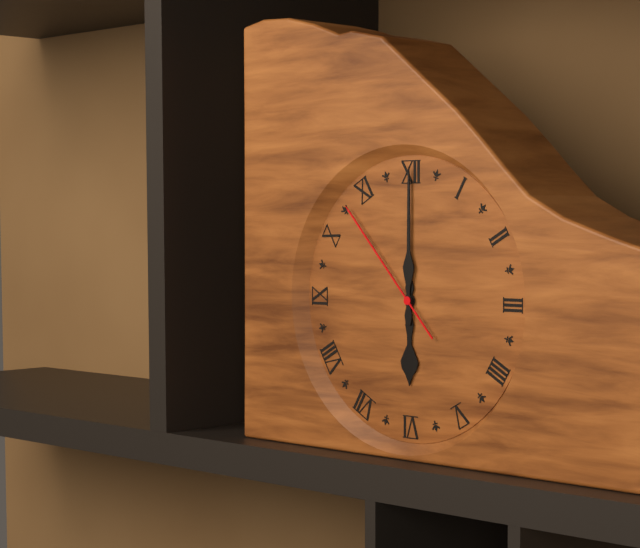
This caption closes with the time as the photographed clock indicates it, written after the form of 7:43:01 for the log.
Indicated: 6:00:53
